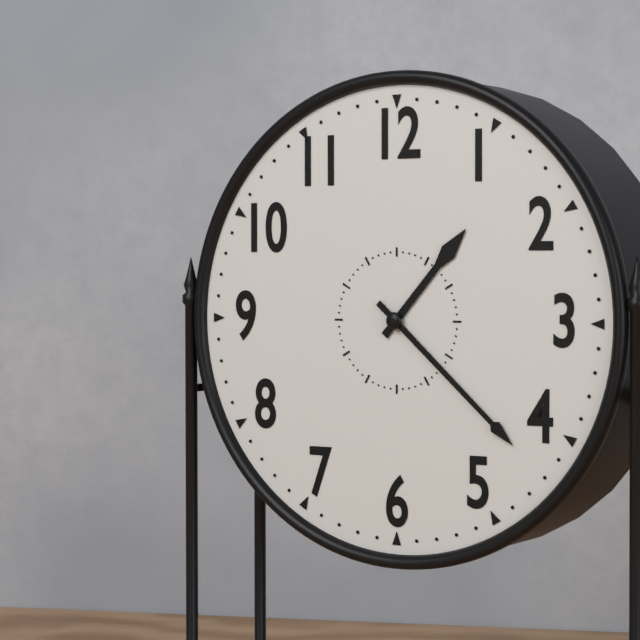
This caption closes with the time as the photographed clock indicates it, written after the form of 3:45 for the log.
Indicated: 1:22
